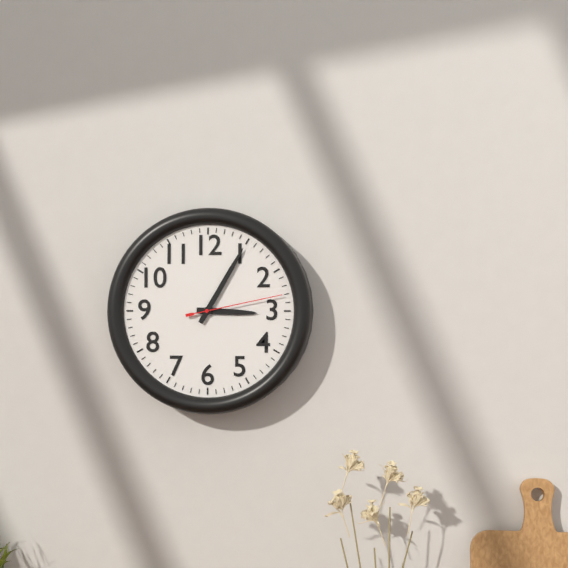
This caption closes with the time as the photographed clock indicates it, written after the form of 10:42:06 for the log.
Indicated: 3:05:13
